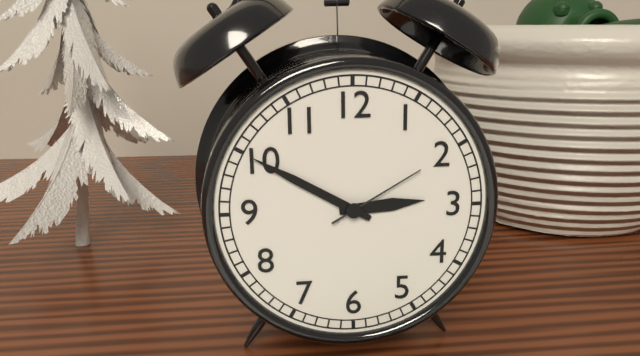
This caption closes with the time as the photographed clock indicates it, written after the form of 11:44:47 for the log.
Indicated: 2:50:10
